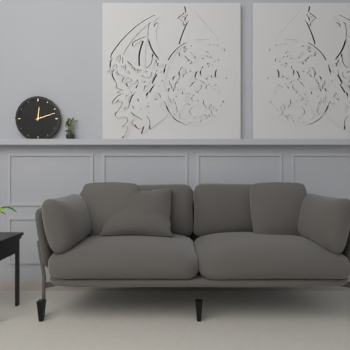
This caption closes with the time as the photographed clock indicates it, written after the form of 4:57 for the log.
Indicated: 12:12
